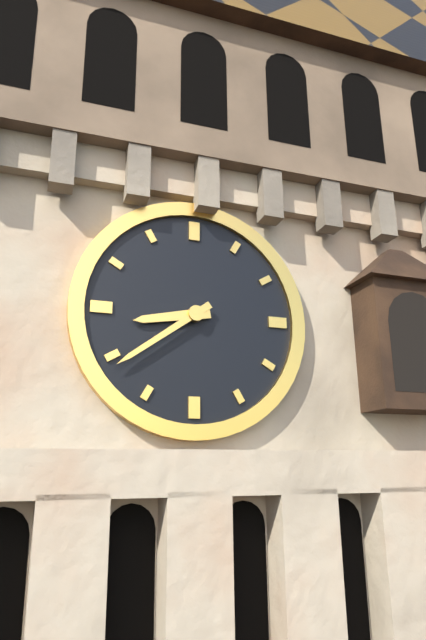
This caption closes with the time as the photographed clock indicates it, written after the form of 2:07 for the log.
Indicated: 8:39
